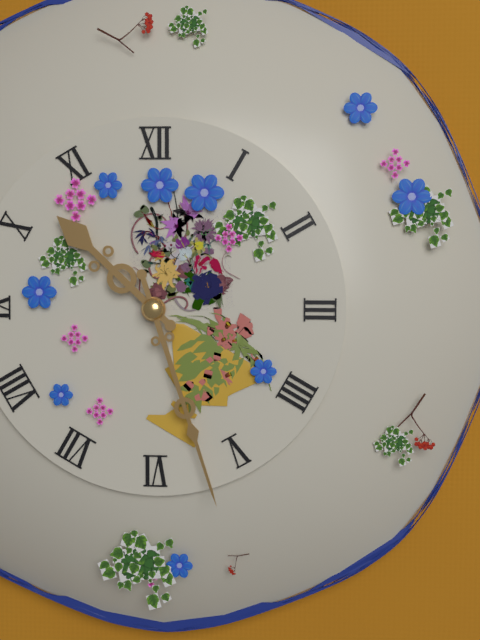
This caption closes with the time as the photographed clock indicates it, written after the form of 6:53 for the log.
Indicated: 10:27
